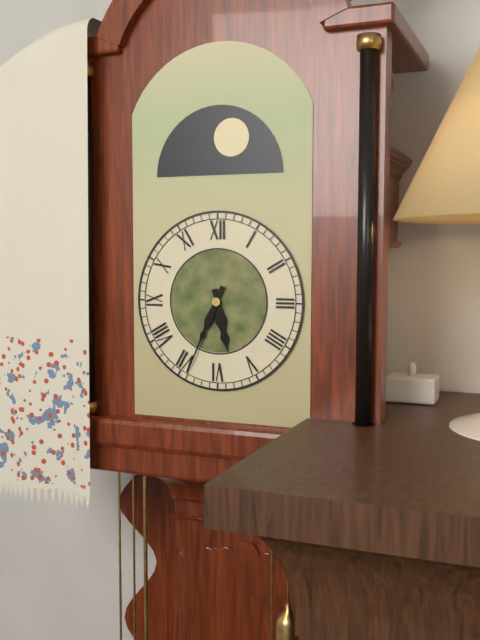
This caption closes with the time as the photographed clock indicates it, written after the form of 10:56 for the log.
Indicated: 5:34
